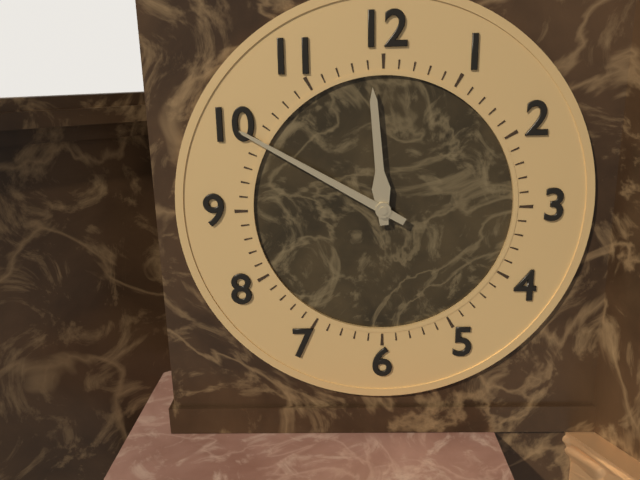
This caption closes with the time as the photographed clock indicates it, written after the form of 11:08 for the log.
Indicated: 11:50
